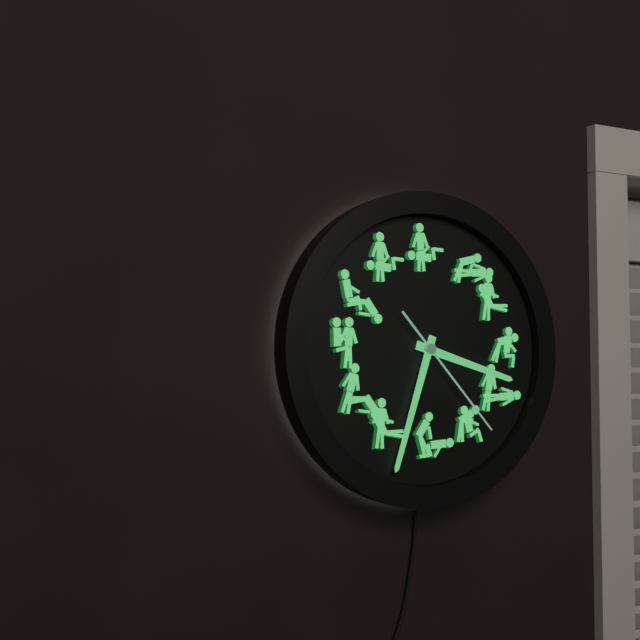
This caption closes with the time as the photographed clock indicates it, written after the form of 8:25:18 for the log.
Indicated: 3:33:23
